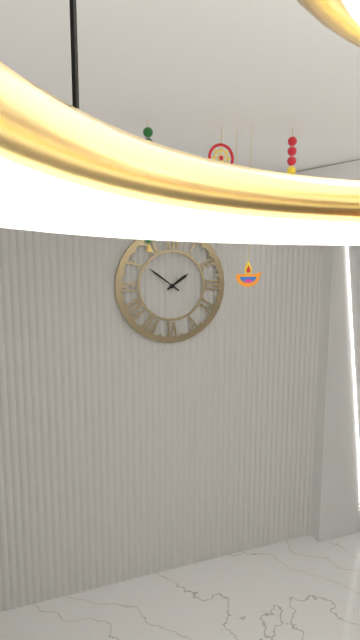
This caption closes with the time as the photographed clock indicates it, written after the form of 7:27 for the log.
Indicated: 1:51
